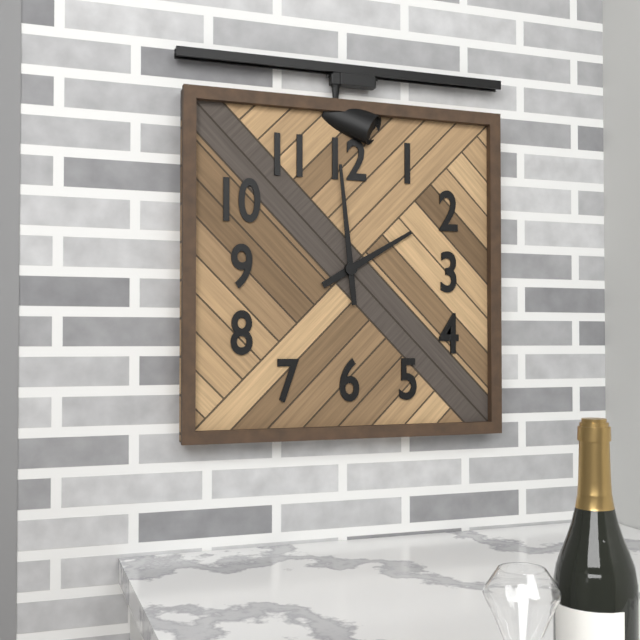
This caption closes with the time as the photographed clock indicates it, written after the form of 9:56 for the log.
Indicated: 1:59
